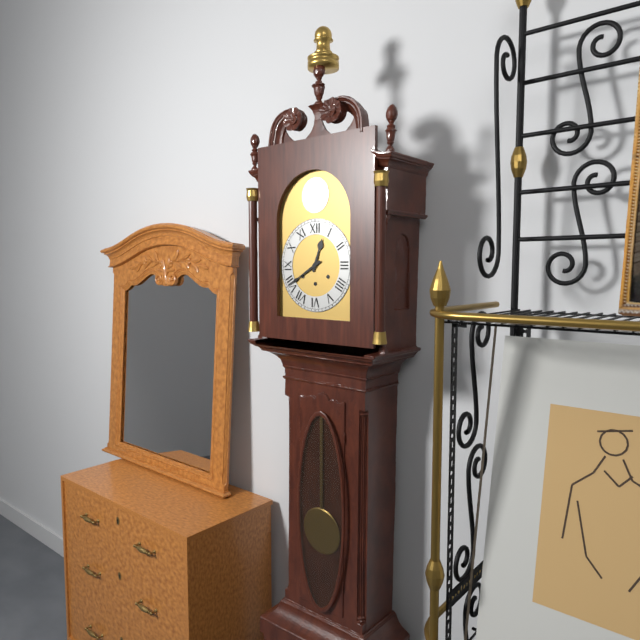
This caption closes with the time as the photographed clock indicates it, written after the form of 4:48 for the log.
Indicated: 12:40
